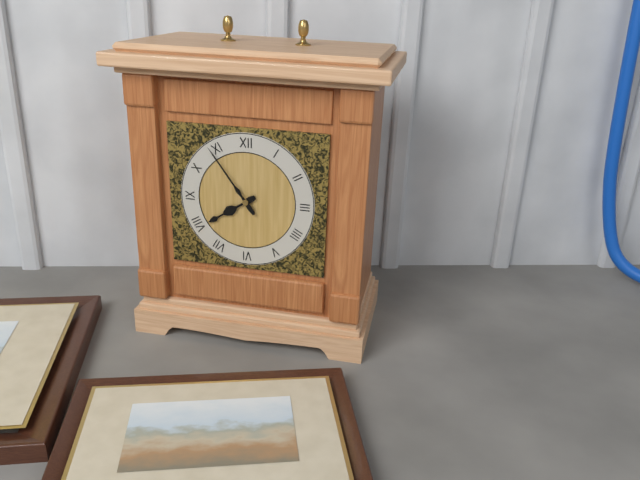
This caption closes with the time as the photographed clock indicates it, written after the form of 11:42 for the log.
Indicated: 7:54
